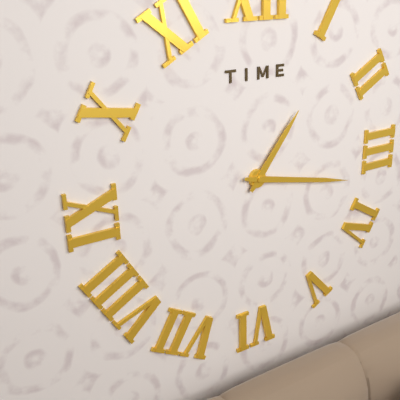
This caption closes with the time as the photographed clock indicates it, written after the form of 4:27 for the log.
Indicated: 1:17
